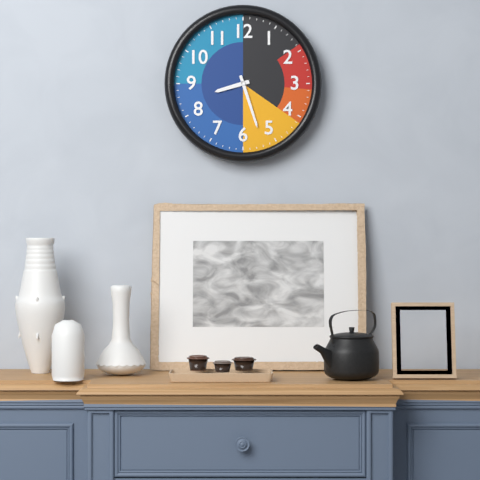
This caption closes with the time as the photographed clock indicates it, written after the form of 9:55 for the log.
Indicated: 8:27
